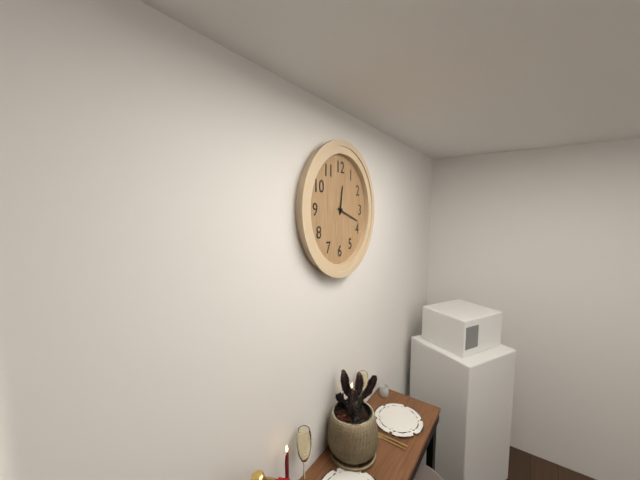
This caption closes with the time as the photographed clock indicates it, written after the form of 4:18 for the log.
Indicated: 12:18
